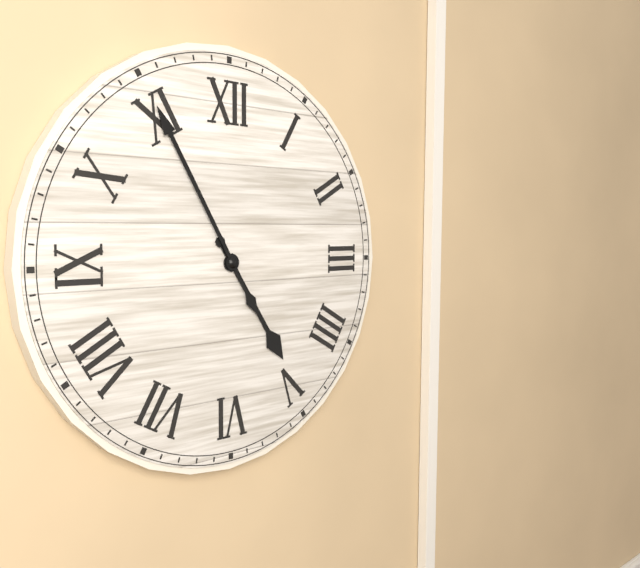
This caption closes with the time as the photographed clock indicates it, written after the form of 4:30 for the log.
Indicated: 4:55
